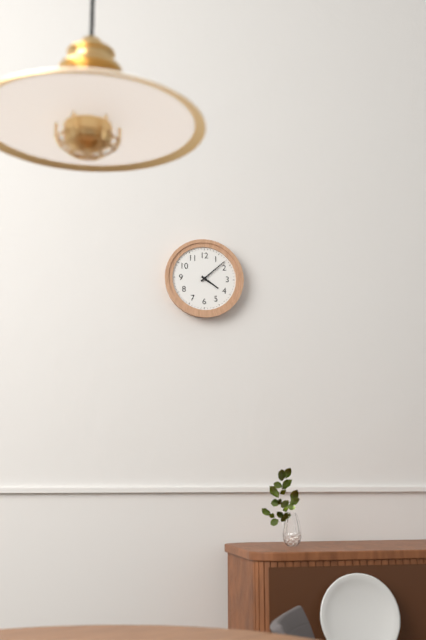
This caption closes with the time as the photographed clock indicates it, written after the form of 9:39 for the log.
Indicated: 4:08
